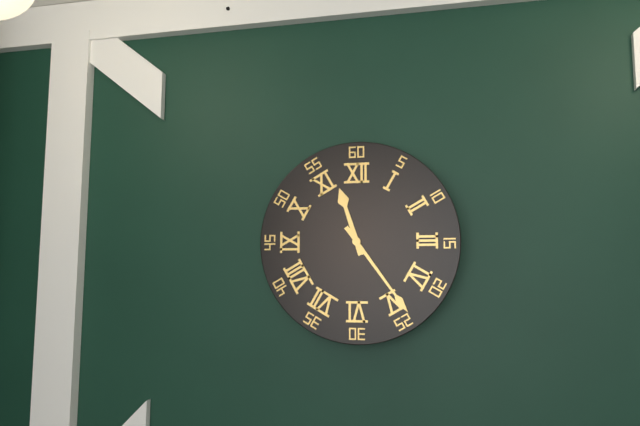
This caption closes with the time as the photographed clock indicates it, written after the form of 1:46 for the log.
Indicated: 11:24
